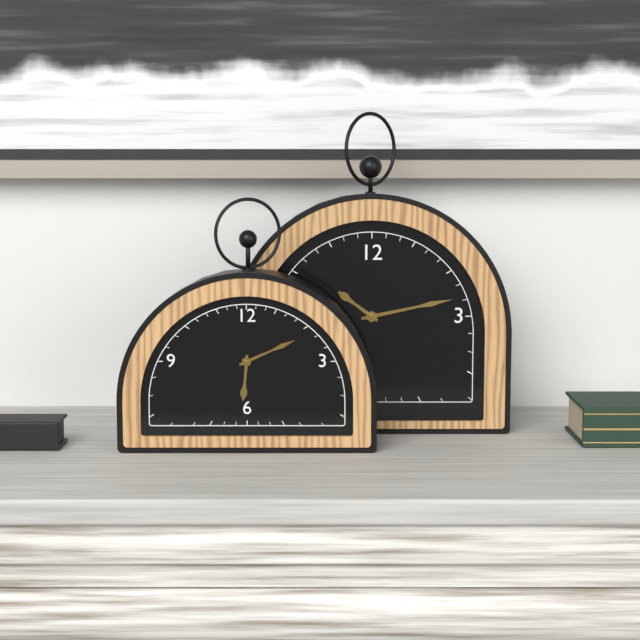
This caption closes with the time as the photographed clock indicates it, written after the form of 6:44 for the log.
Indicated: 6:11
